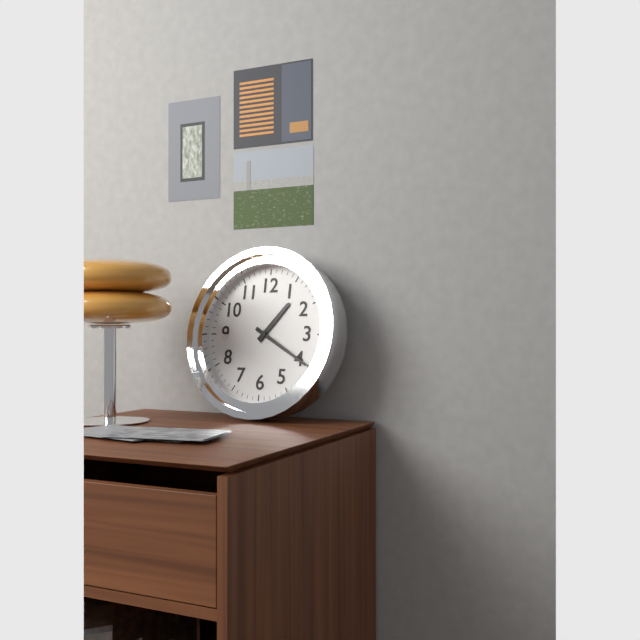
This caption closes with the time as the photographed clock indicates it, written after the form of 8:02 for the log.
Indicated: 1:20
